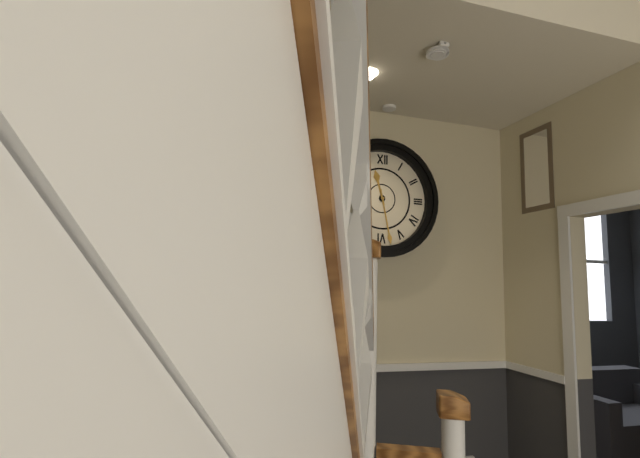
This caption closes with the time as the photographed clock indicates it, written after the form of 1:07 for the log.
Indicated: 11:28
